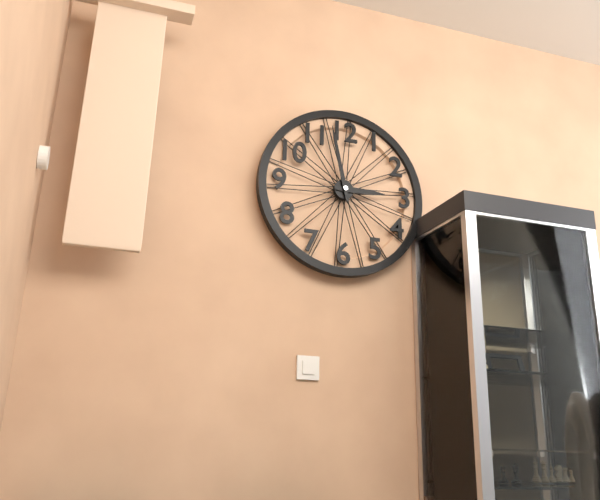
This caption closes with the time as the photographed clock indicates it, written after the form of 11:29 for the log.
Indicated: 2:58
